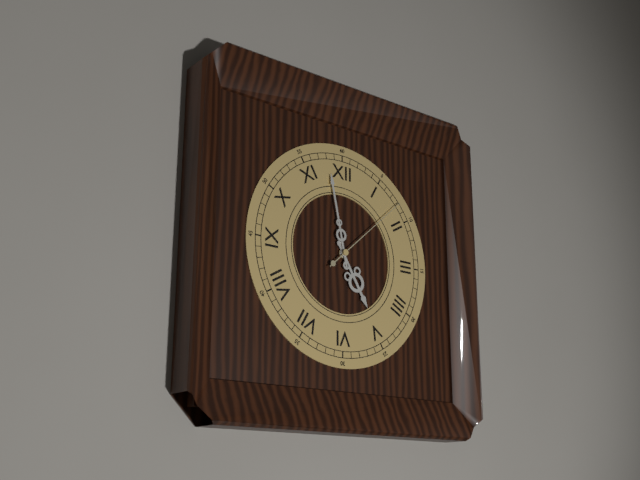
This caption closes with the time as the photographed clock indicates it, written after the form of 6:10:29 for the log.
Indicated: 4:58:08
